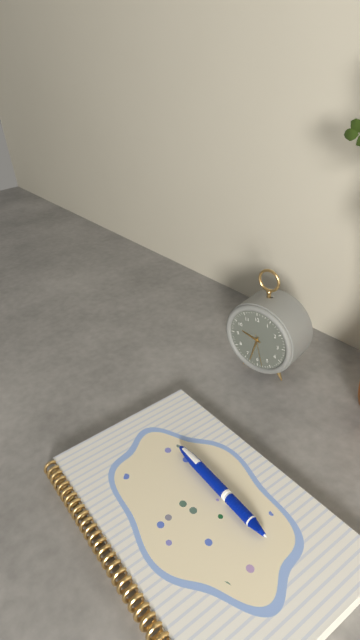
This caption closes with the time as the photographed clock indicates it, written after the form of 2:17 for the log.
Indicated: 9:33
